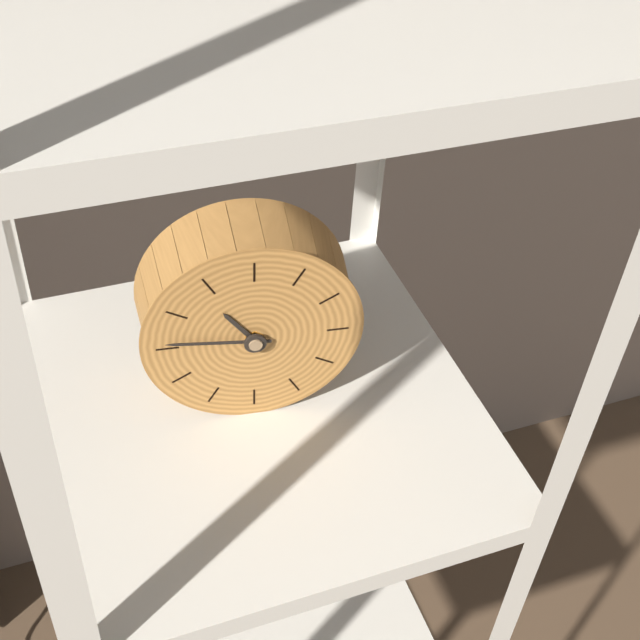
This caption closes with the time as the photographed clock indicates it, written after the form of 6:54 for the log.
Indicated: 10:46
